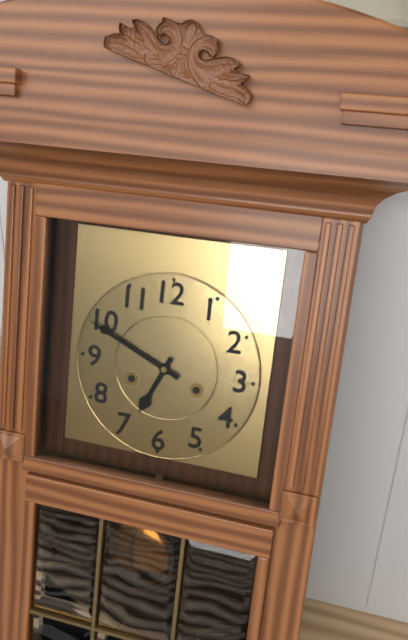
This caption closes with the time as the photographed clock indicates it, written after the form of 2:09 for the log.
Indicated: 6:49
